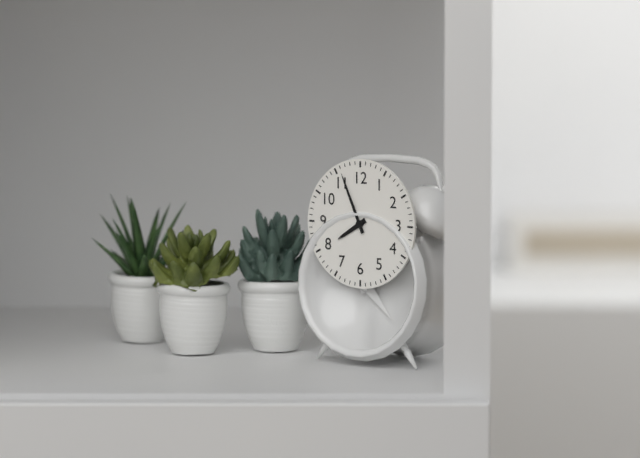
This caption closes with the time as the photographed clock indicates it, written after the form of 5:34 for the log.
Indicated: 7:56
